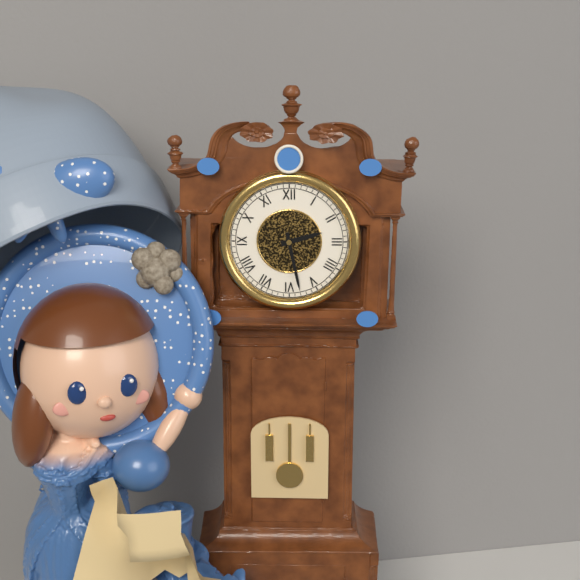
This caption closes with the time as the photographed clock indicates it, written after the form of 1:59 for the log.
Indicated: 2:28
